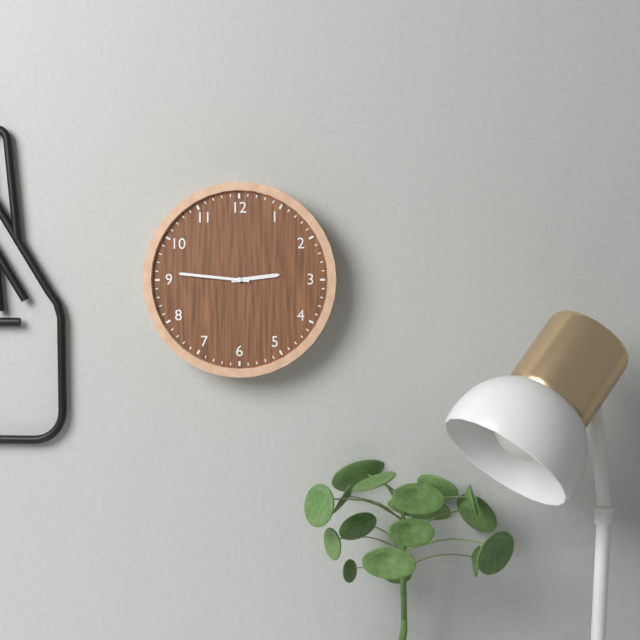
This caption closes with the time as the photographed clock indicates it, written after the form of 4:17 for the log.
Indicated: 2:46
